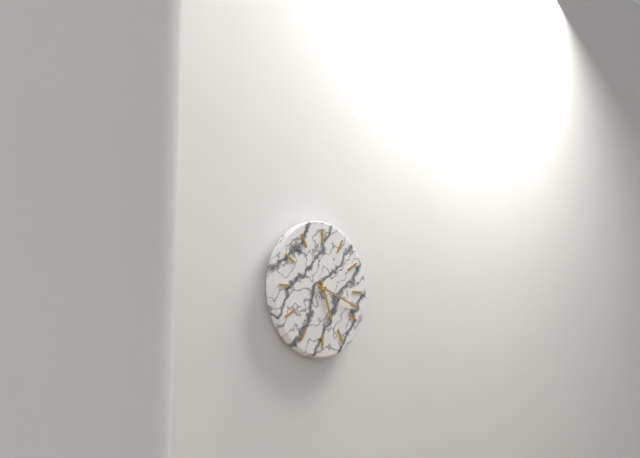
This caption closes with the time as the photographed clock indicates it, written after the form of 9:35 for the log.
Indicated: 5:18
